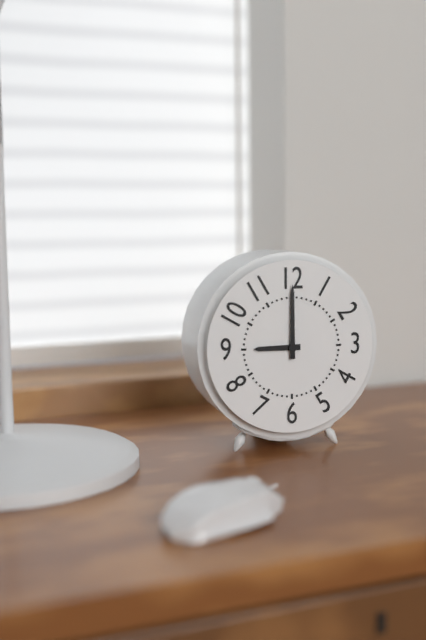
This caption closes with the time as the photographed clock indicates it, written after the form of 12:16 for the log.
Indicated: 9:00
